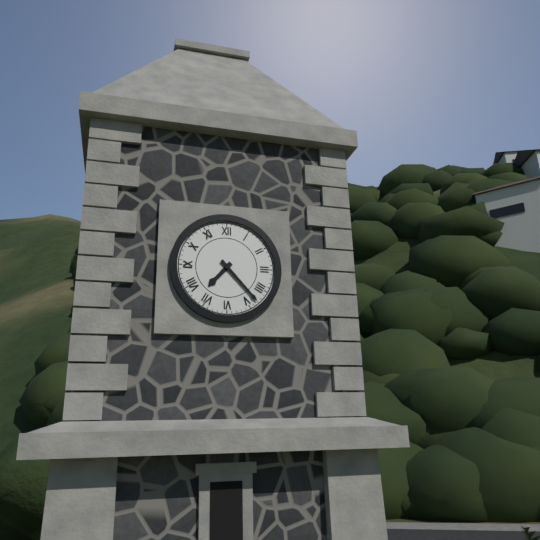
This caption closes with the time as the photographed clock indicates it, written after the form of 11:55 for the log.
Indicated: 7:23
